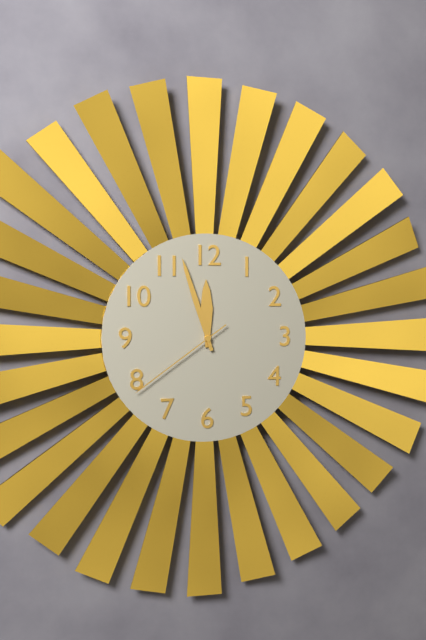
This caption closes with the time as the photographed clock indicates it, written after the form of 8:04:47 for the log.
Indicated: 11:57:39
